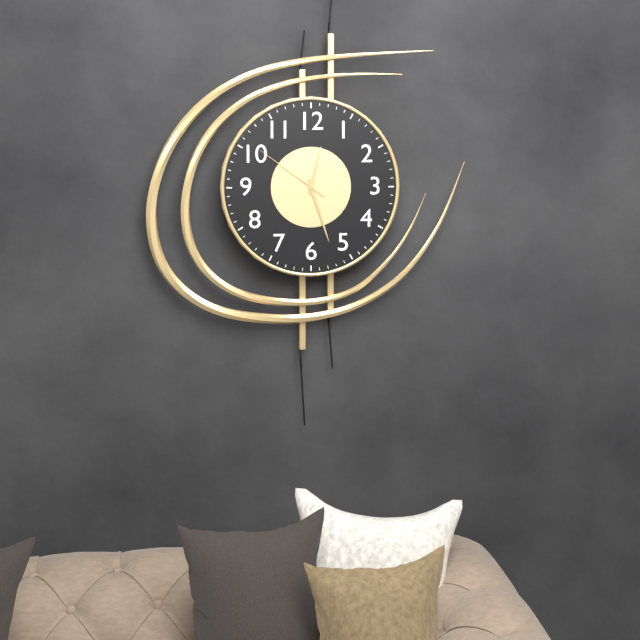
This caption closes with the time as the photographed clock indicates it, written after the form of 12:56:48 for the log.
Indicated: 12:27:51
